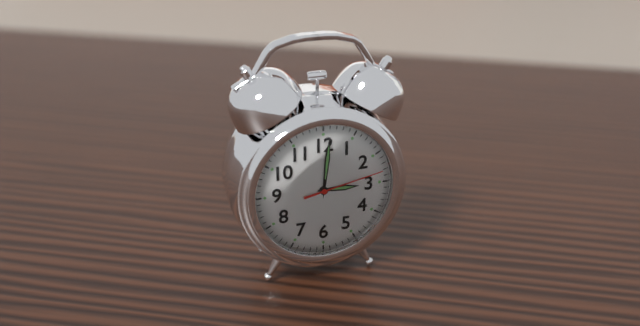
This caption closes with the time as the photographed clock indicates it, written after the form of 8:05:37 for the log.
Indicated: 3:01:13
